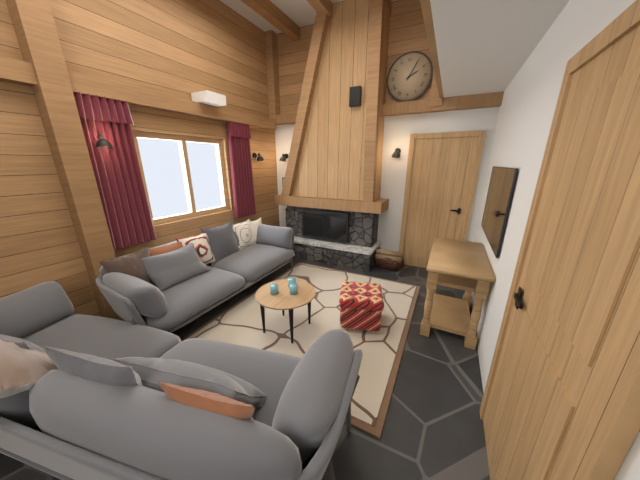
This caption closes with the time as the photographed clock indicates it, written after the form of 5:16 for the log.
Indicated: 2:05
